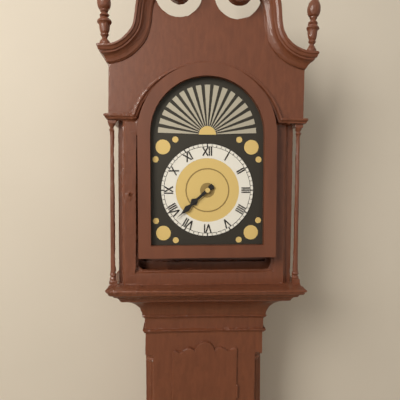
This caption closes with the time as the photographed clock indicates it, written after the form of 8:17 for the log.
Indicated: 7:38
